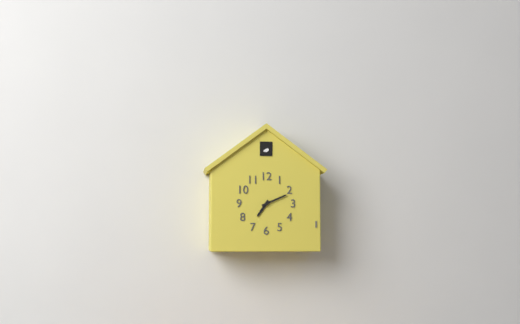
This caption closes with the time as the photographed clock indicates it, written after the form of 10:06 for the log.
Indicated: 7:11
